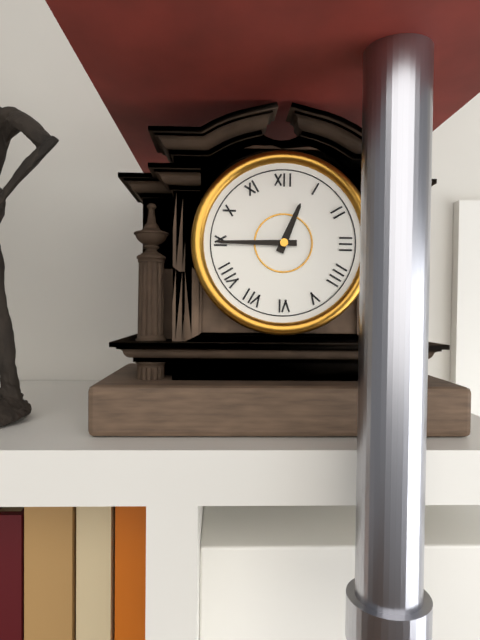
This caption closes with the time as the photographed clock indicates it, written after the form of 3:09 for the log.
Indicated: 12:45
